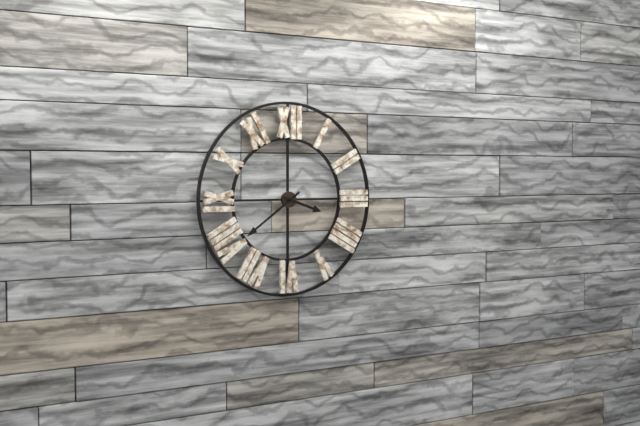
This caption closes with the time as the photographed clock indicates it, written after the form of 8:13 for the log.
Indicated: 3:39
